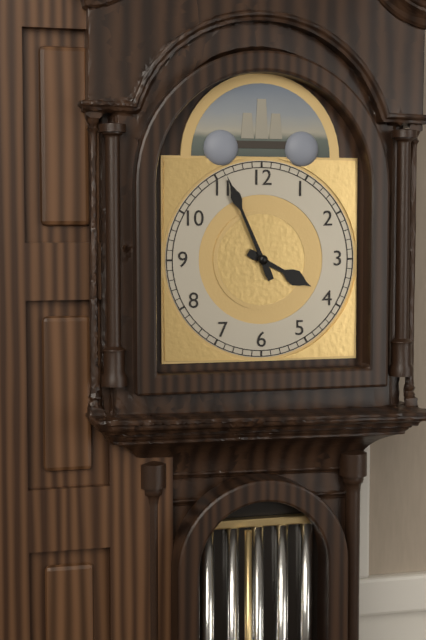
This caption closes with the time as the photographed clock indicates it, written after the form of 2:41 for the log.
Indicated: 3:56
